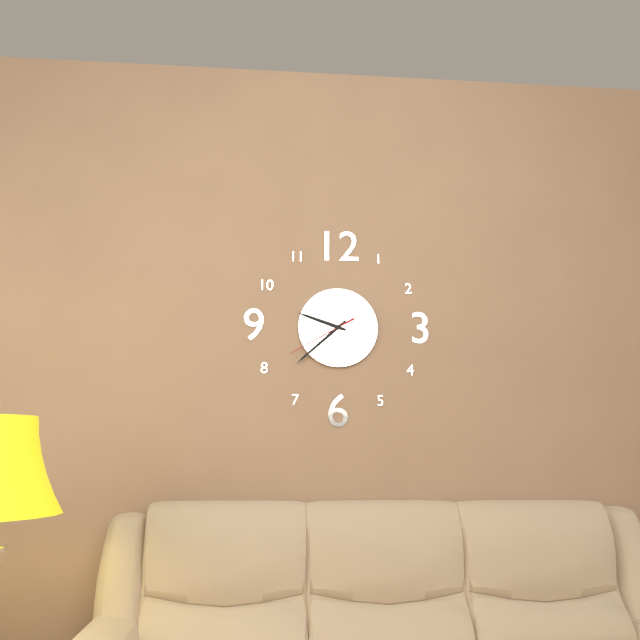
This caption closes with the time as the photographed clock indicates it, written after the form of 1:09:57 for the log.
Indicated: 9:38:40
